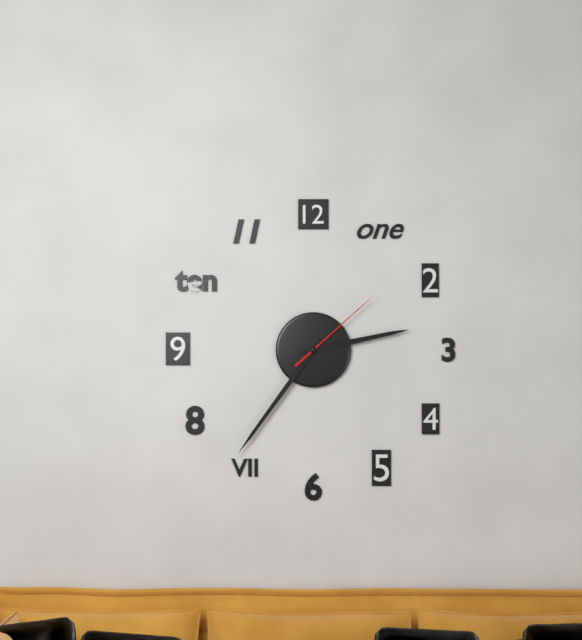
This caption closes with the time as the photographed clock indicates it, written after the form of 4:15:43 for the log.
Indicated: 2:36:08
